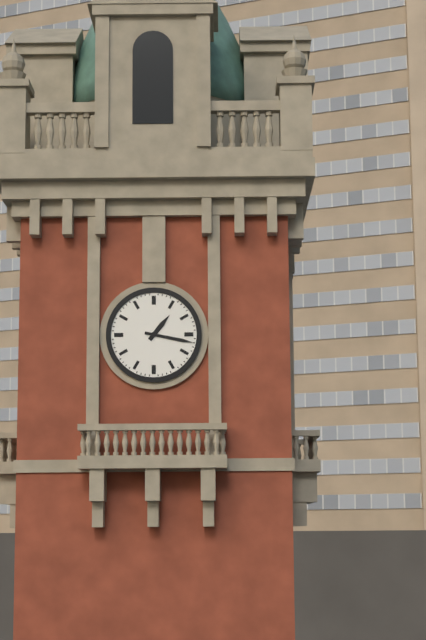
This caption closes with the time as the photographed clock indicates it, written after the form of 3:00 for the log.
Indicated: 1:17
